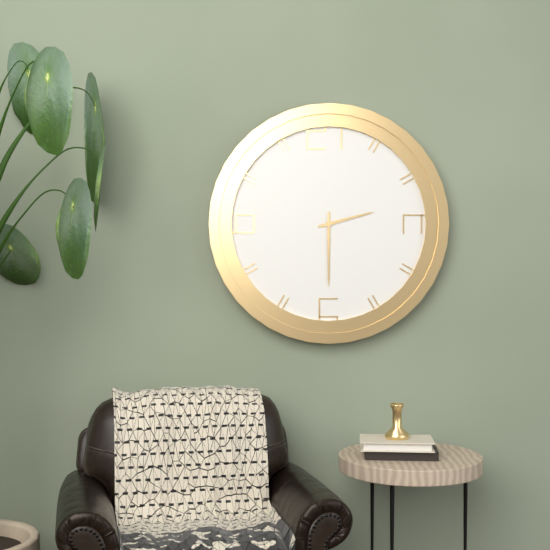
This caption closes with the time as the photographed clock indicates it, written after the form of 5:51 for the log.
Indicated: 2:30
